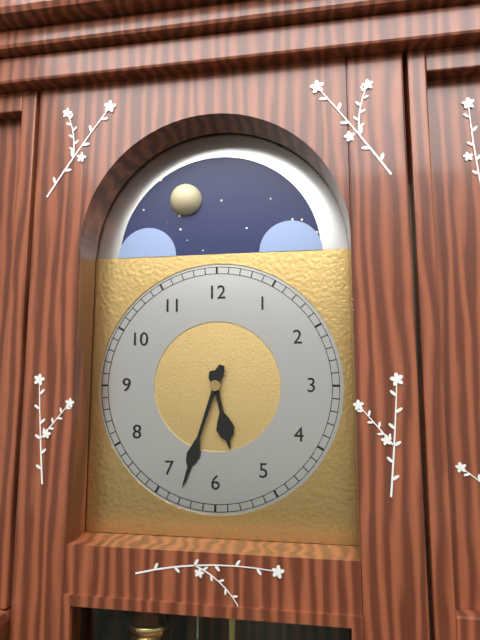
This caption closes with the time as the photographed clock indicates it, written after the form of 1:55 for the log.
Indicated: 5:33
